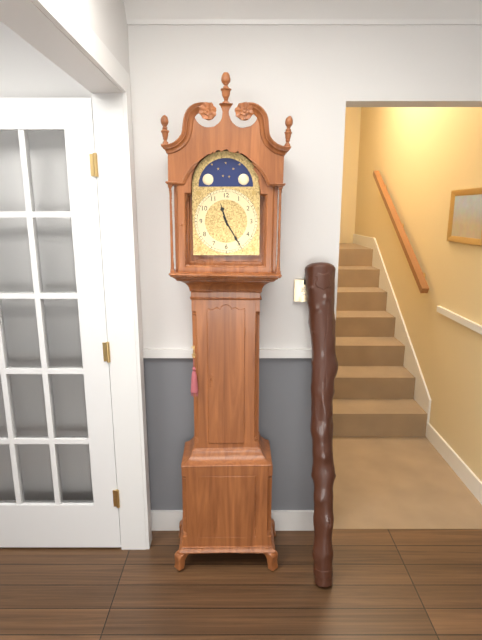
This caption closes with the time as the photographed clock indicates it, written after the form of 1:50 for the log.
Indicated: 11:25
